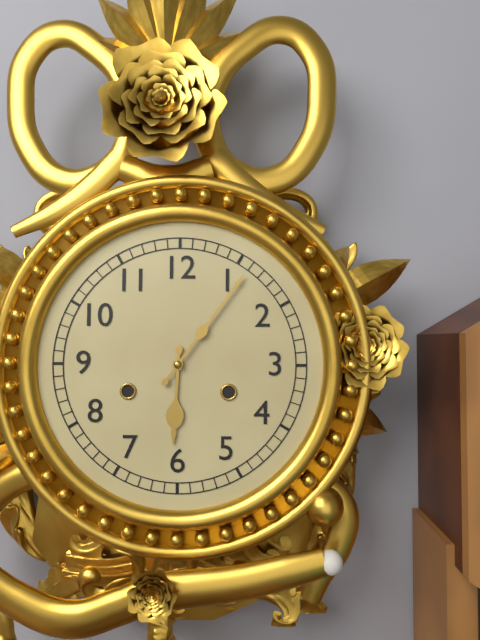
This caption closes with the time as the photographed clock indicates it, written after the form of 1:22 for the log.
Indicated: 6:06
